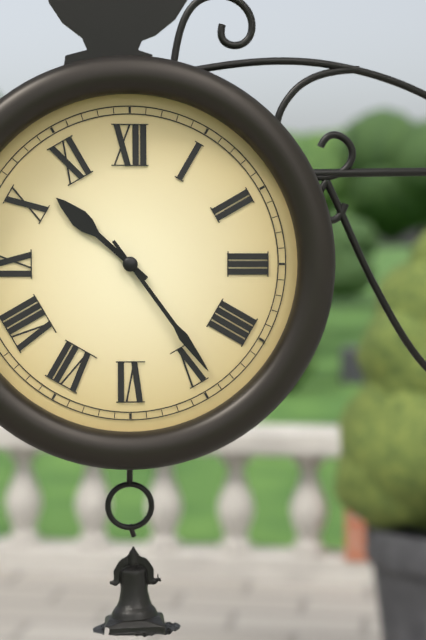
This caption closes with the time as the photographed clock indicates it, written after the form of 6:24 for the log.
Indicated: 10:24
